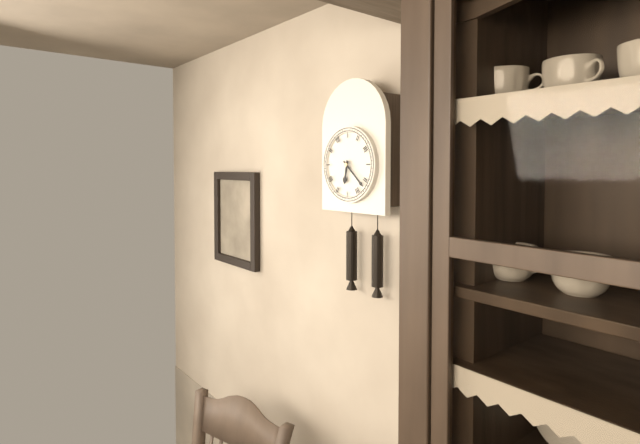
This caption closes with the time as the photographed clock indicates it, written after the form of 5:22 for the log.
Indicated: 6:22
